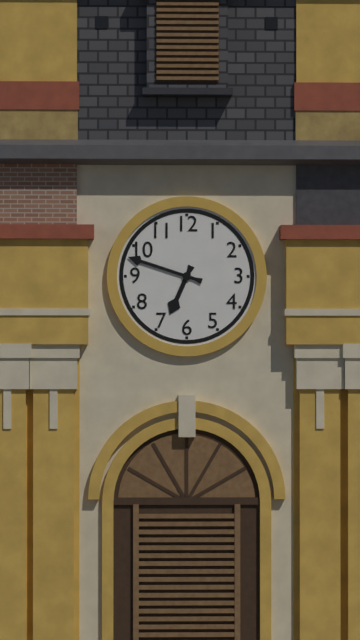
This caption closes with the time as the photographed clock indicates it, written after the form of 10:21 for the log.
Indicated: 6:48
